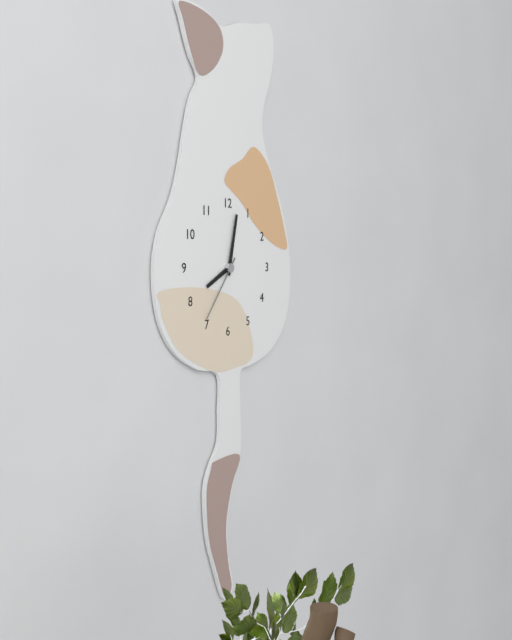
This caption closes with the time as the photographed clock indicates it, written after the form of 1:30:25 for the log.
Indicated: 8:02:36
